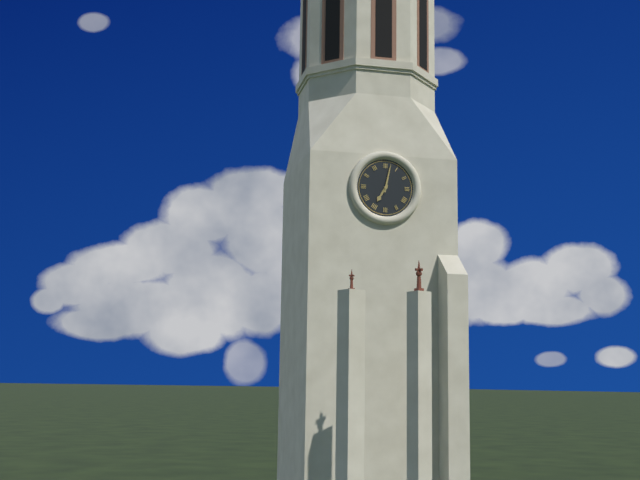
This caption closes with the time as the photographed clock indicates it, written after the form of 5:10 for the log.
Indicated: 7:02
